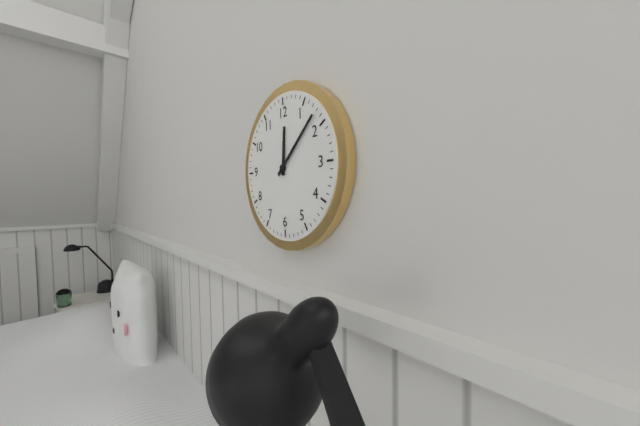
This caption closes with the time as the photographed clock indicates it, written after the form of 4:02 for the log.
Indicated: 12:08
